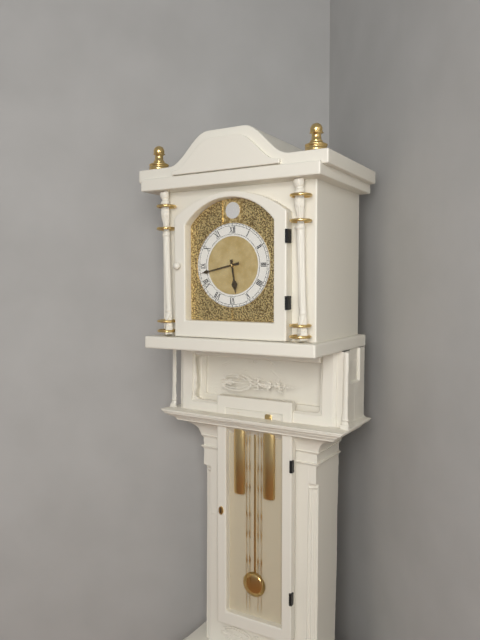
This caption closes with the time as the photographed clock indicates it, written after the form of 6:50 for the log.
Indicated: 5:43
